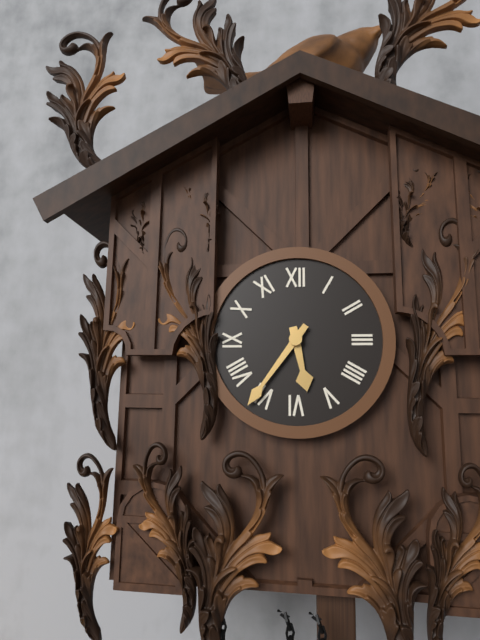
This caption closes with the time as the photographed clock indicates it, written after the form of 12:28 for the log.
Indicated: 5:36
